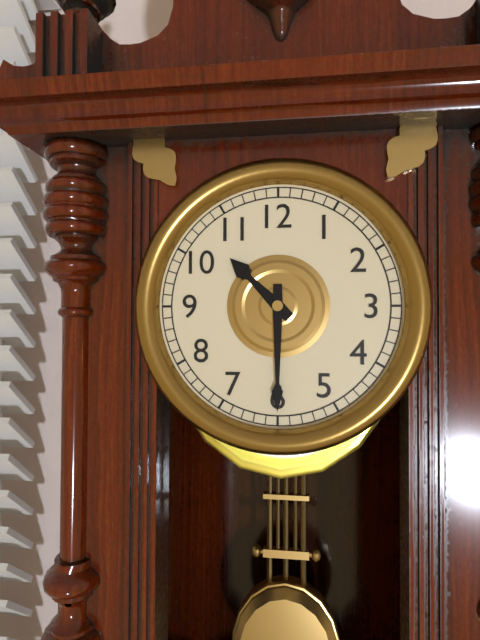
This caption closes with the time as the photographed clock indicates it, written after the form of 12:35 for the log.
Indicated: 10:30
